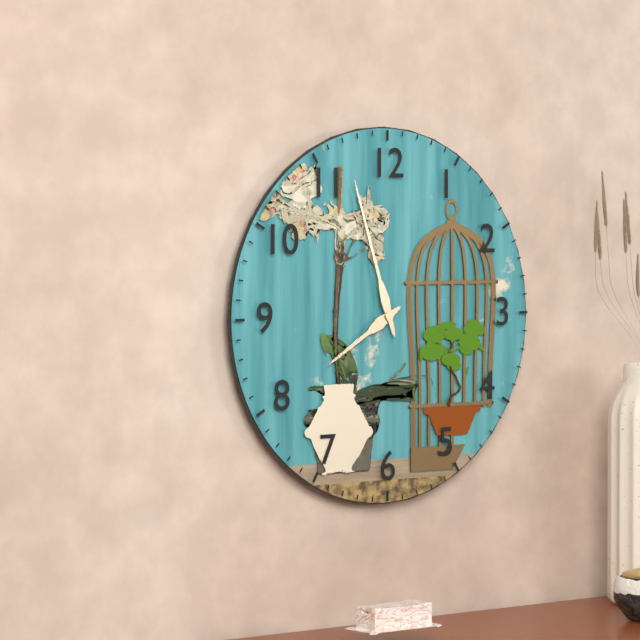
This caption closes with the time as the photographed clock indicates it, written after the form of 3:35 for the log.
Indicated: 7:57
